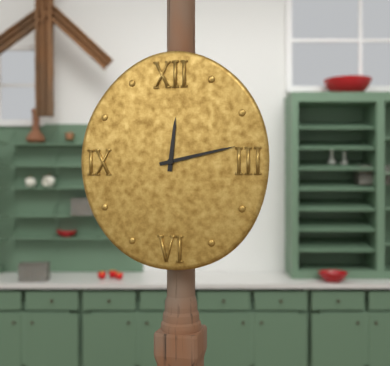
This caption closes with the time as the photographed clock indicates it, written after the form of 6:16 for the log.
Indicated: 12:13
